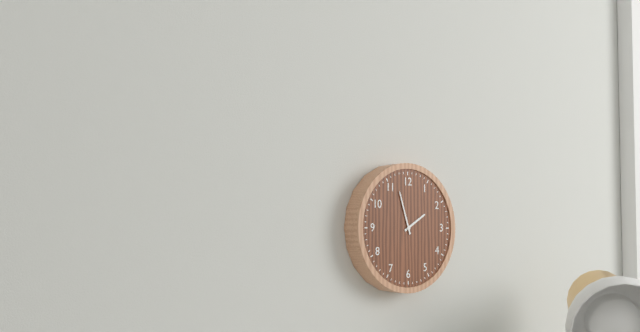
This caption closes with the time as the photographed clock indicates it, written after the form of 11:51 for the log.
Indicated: 1:57
